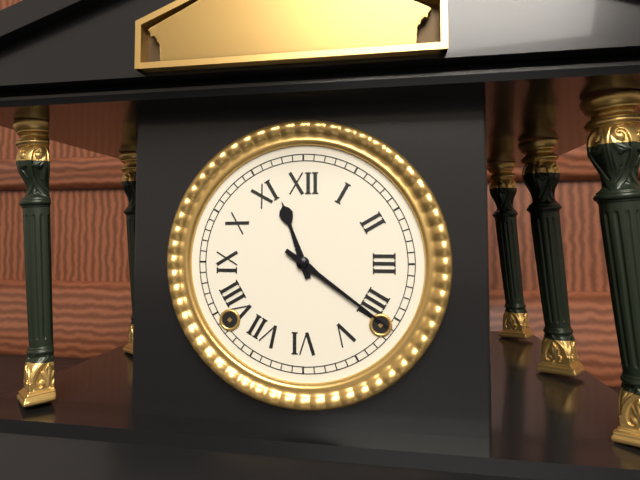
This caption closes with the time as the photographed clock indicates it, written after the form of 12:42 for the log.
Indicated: 11:21
